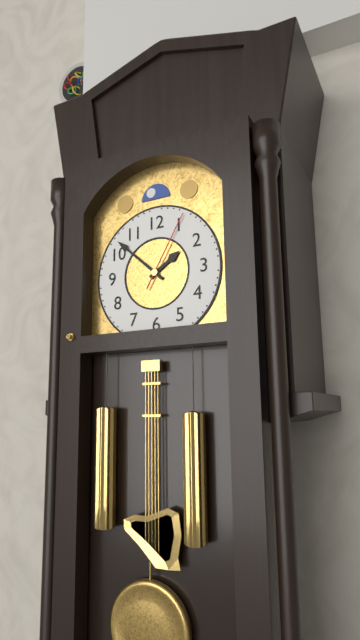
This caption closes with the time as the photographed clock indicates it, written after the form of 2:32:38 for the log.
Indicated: 1:52:05
